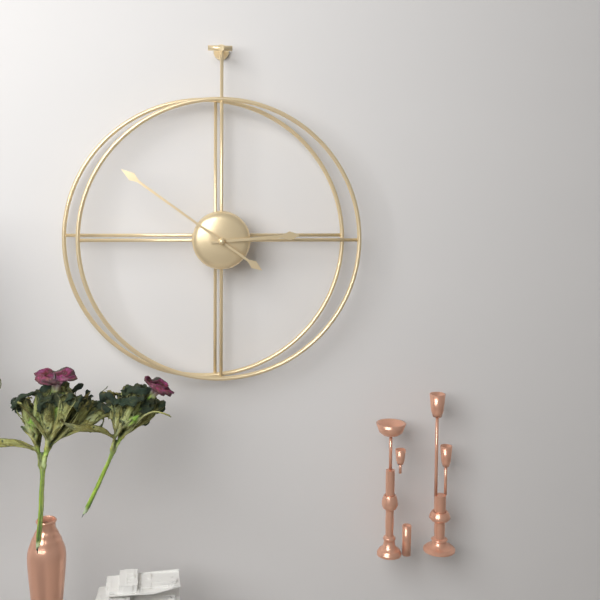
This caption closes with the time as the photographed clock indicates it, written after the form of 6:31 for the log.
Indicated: 2:51
